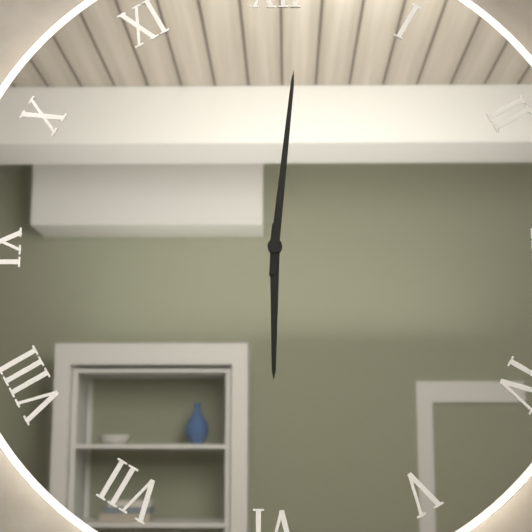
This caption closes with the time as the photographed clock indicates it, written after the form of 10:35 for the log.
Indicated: 6:01
